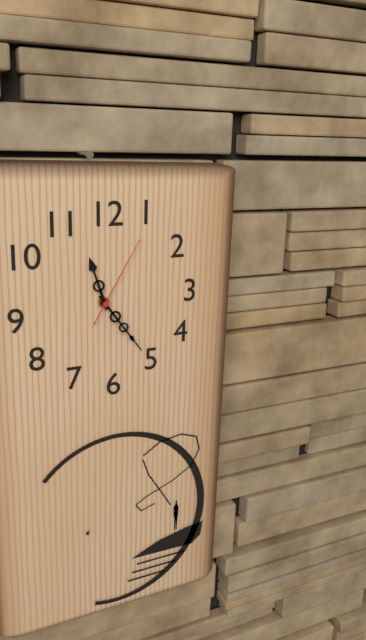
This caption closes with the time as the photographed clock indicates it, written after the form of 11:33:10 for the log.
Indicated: 11:24:05
